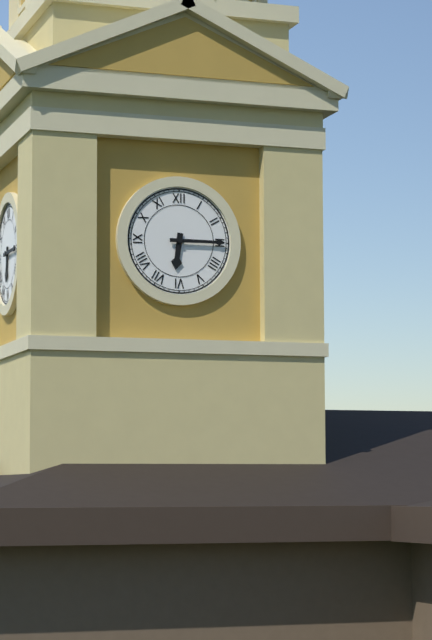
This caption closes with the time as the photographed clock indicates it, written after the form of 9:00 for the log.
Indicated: 6:15
